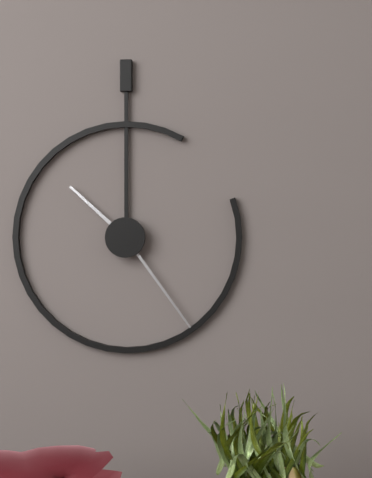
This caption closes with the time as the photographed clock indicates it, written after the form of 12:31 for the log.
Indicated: 10:24
